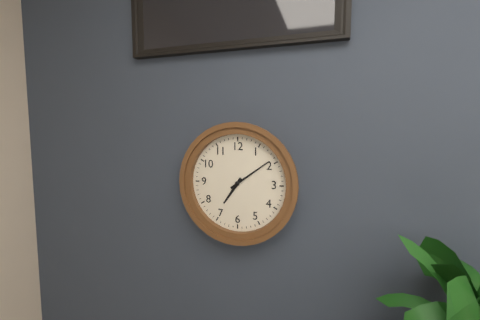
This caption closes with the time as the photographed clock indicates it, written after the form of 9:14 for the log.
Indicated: 7:09
